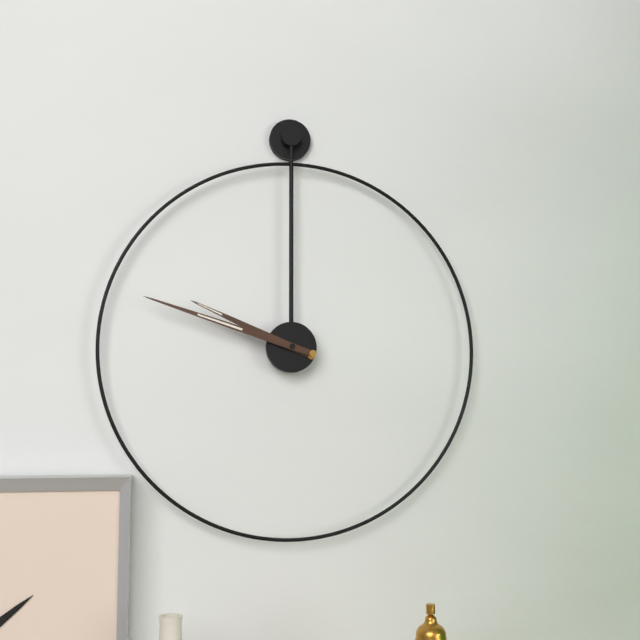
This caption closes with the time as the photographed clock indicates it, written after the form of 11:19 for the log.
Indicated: 9:48
